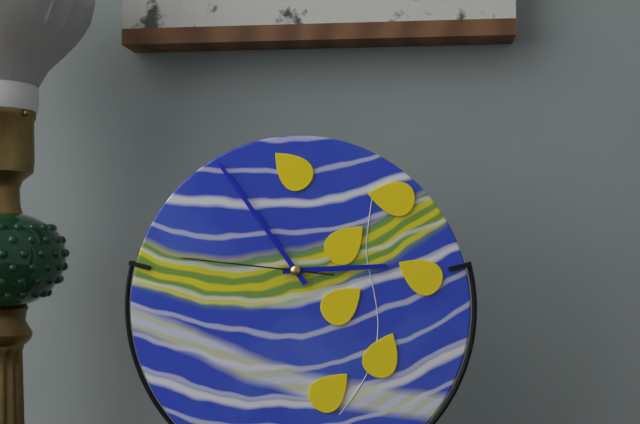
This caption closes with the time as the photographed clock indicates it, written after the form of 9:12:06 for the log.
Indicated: 2:54:46
